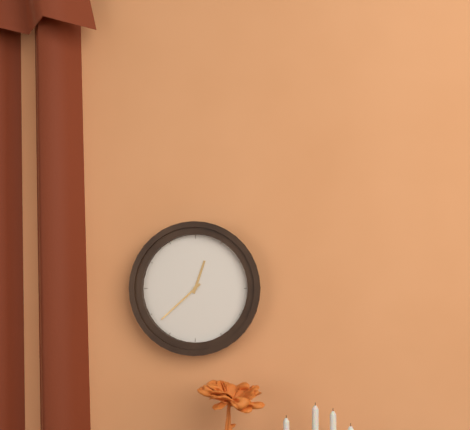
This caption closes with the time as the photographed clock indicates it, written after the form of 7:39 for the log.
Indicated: 12:38
